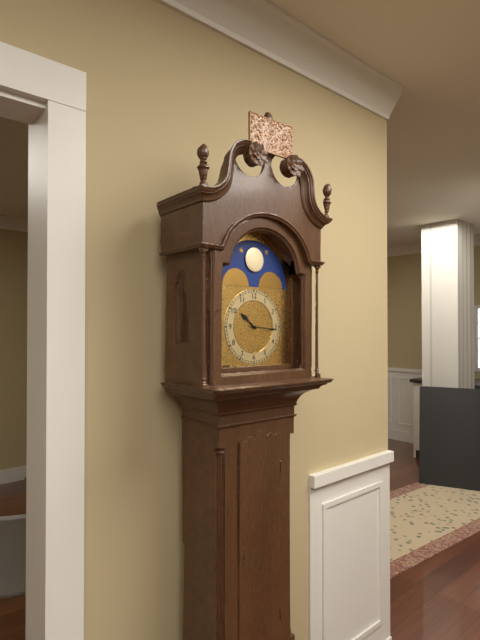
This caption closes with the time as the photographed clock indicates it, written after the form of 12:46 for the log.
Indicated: 10:16
